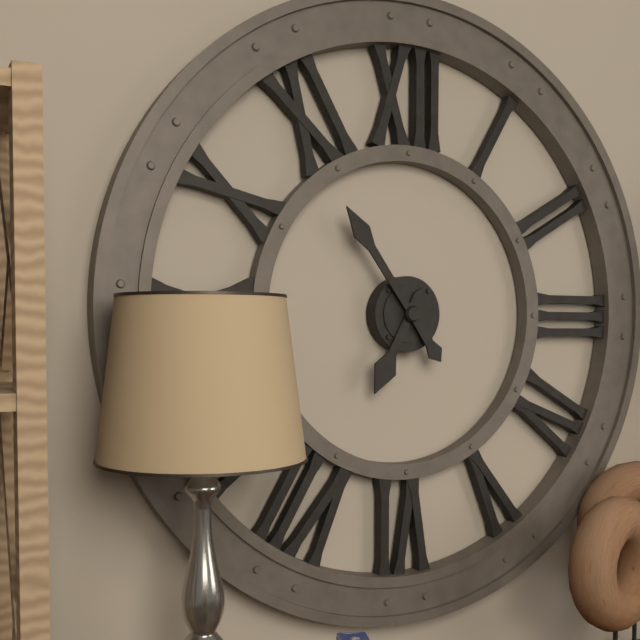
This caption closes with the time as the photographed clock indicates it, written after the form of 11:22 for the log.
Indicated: 6:54
